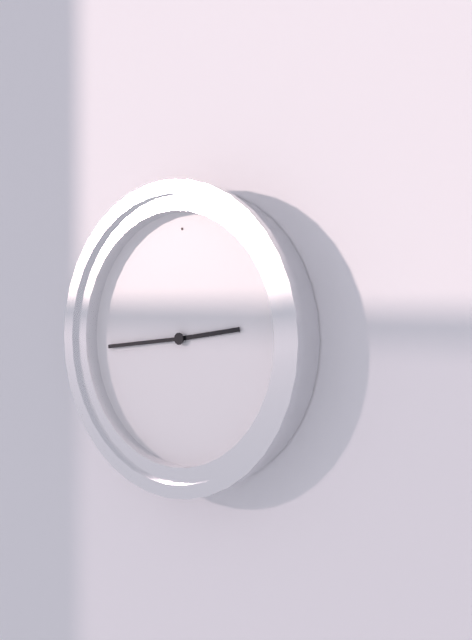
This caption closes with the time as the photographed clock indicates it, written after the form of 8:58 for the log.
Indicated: 2:44
